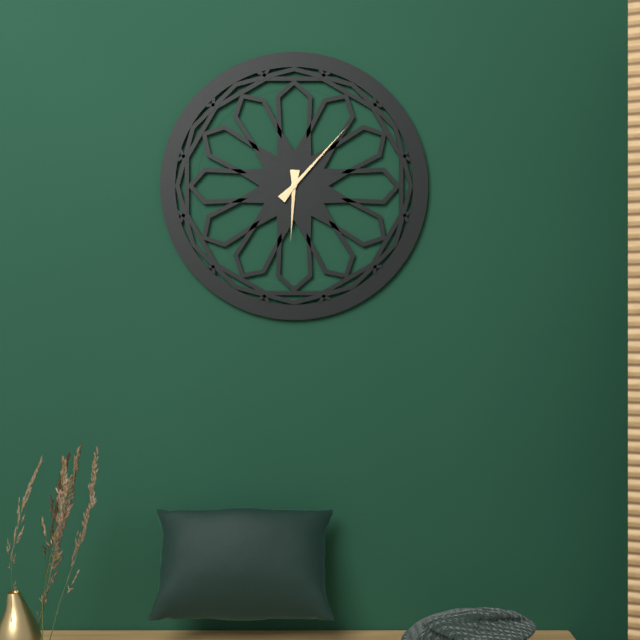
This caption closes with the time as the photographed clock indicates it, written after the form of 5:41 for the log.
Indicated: 6:07
